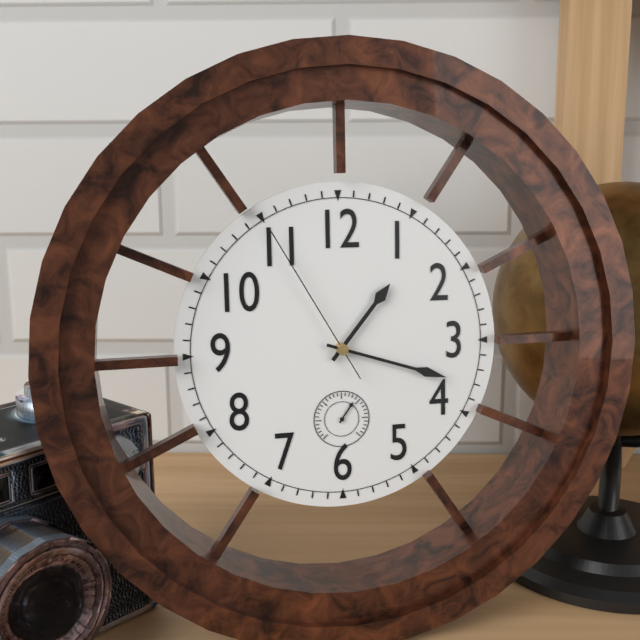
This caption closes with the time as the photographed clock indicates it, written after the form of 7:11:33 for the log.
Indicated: 1:18:55
